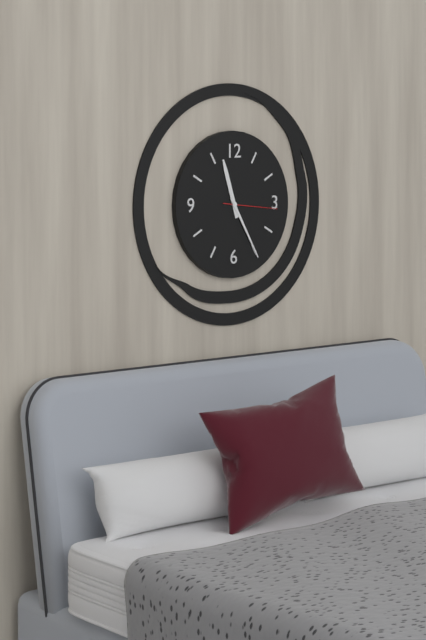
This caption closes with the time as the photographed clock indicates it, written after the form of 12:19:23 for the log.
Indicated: 11:25:16
